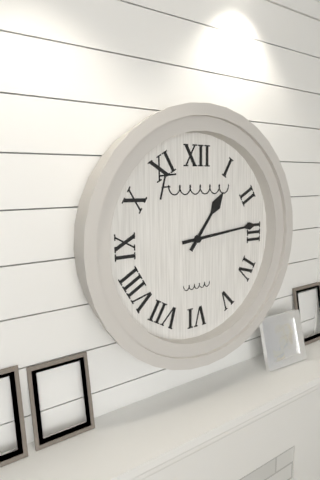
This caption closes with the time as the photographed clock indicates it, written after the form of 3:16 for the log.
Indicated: 1:14
